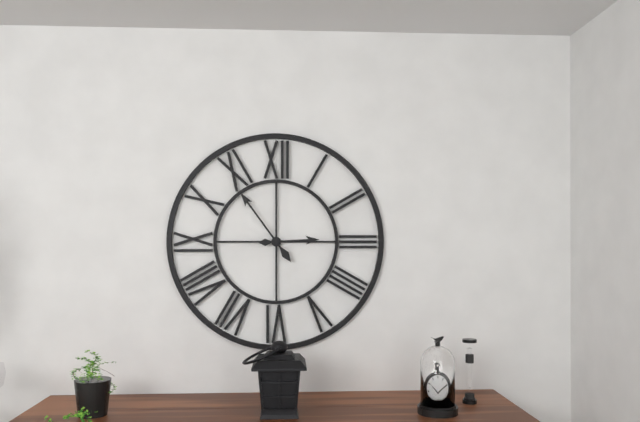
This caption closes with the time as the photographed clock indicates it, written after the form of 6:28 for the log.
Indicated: 2:54
